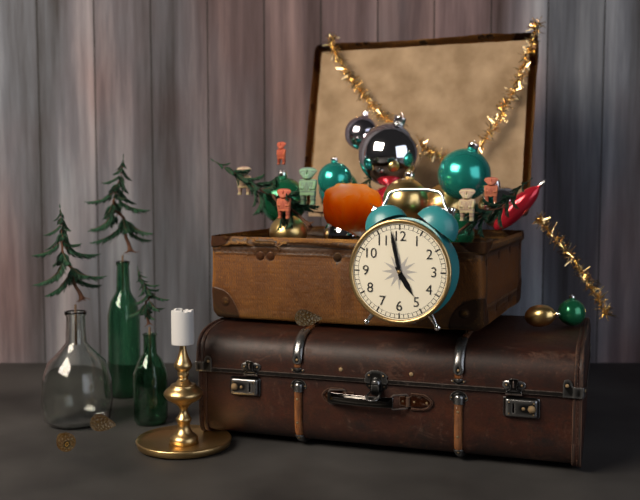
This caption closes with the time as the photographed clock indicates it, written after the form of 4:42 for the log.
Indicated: 4:58
